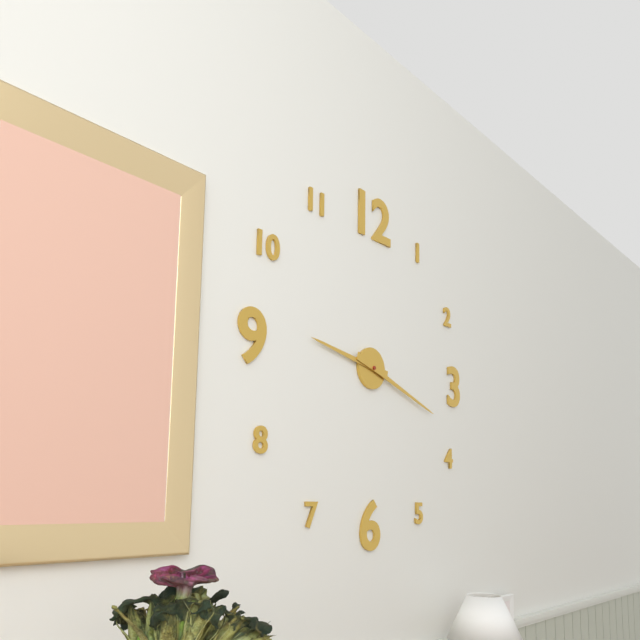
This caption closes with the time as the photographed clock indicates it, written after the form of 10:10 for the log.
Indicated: 9:18
